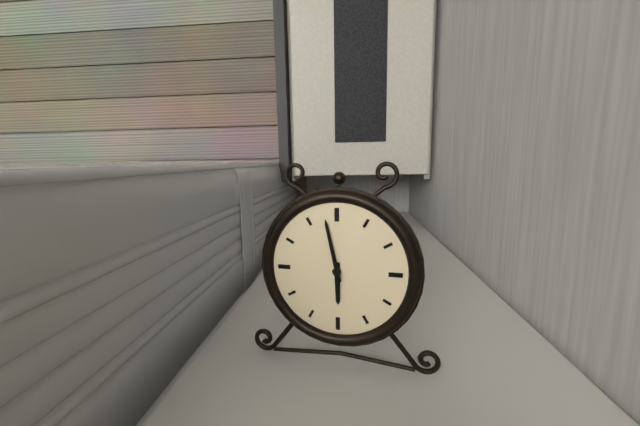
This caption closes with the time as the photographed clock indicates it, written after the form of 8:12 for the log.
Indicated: 5:58
